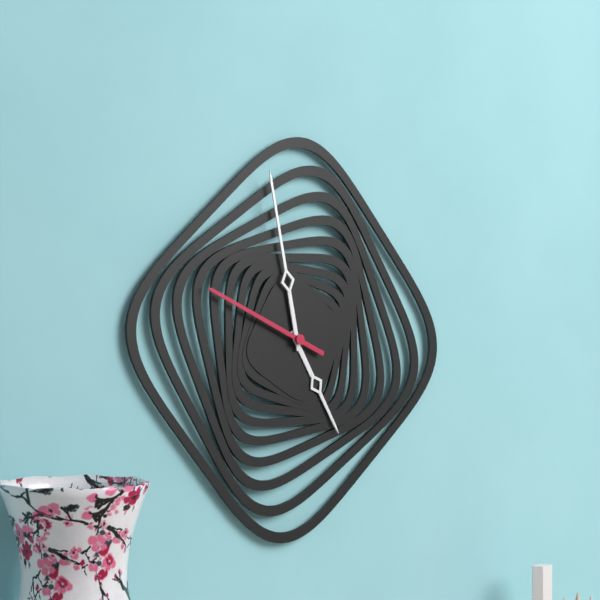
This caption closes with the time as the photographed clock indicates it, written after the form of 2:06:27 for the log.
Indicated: 4:58:49
